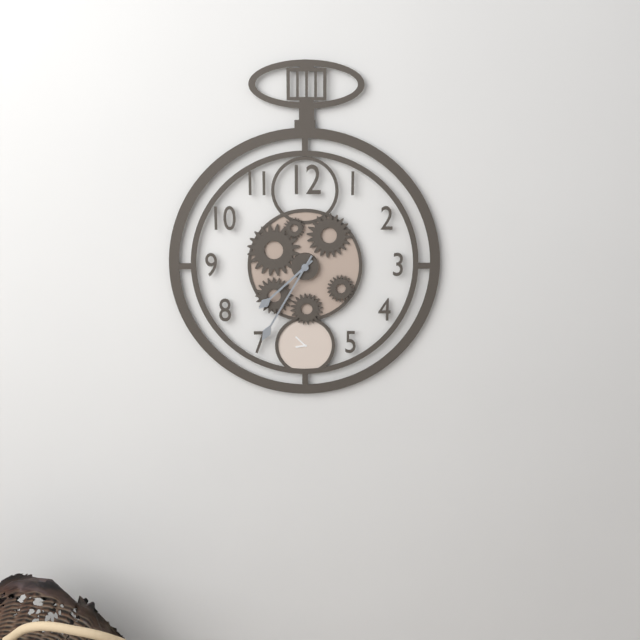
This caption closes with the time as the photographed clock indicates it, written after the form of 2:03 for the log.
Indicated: 7:35
